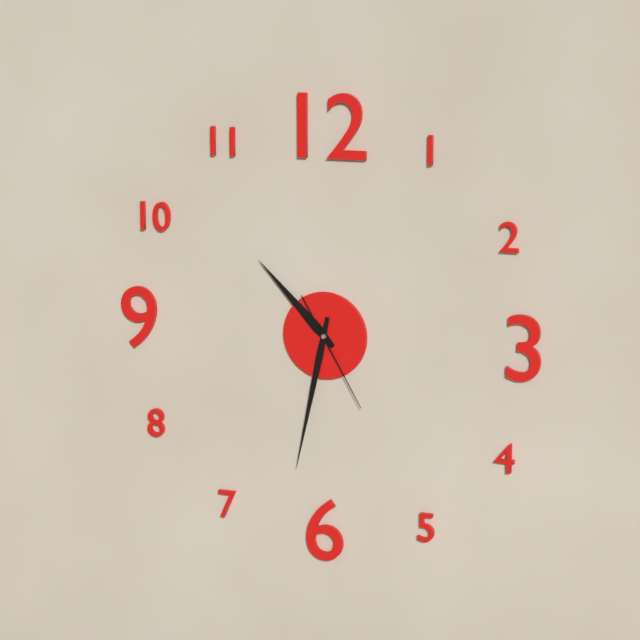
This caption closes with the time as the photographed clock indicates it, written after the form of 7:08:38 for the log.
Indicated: 10:32:25
